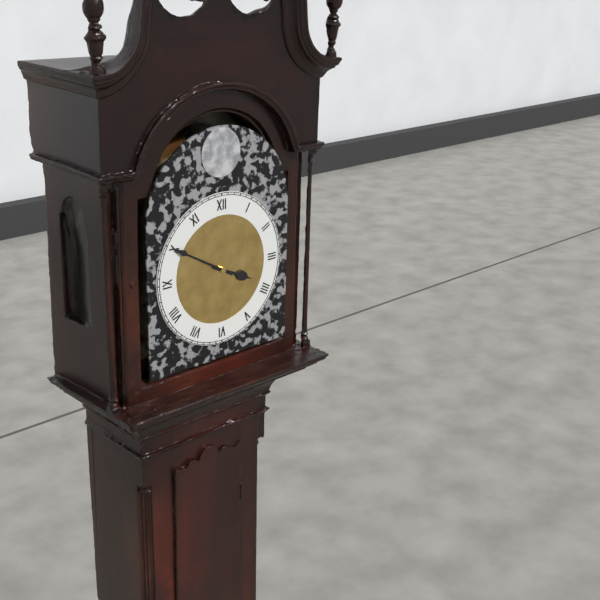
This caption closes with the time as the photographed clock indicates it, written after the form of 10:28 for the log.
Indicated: 3:50
